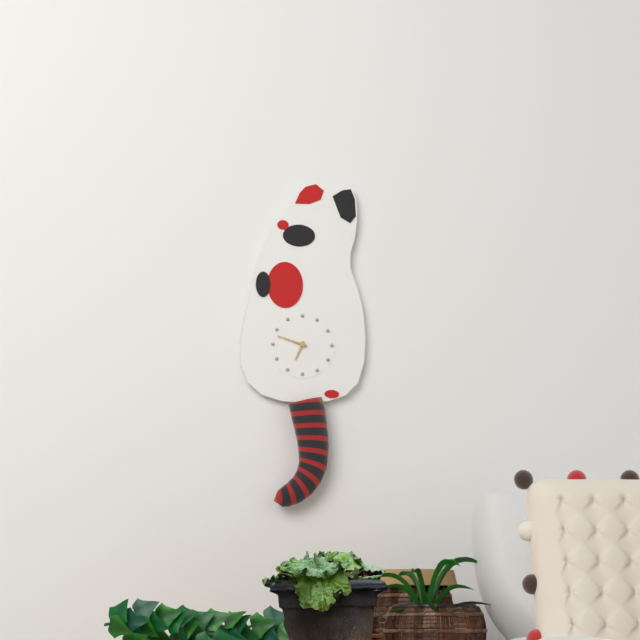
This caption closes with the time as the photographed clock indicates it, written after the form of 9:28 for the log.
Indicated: 6:48
